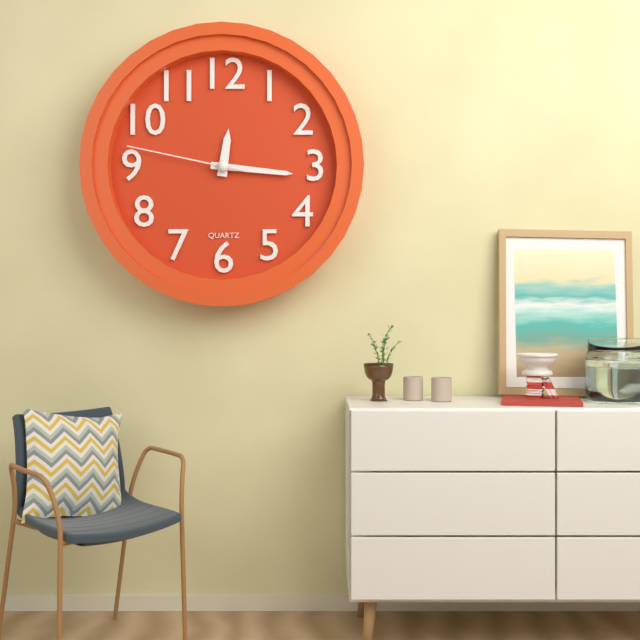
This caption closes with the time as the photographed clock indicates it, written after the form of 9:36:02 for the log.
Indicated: 12:16:47
